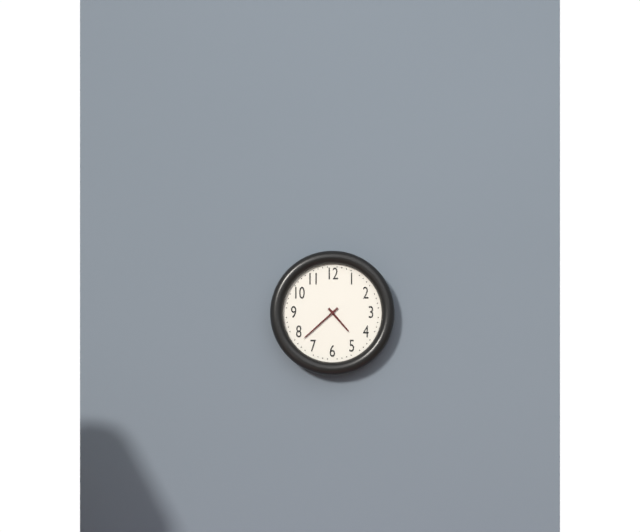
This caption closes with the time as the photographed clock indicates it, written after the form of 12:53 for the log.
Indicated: 4:38
